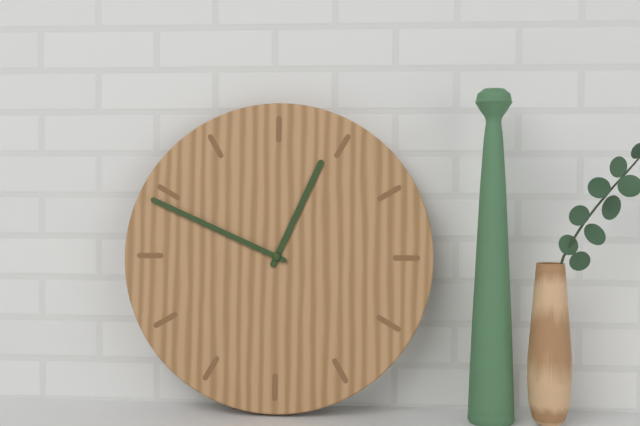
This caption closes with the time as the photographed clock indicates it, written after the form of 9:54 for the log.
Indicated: 12:49
